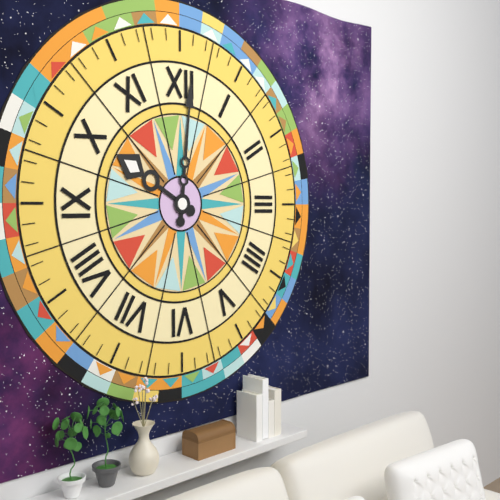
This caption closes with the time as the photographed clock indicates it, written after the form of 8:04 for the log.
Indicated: 10:01
